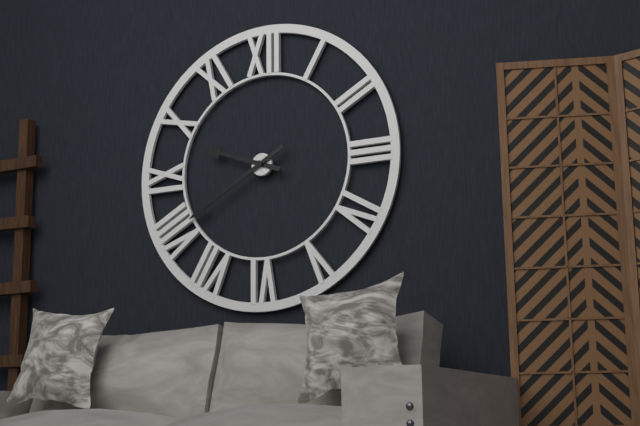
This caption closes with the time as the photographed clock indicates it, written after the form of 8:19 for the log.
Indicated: 9:40
